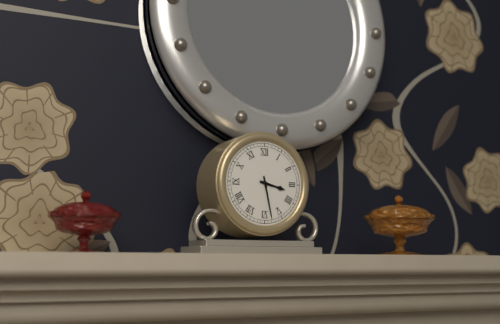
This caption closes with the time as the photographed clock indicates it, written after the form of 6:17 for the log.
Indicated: 3:28
